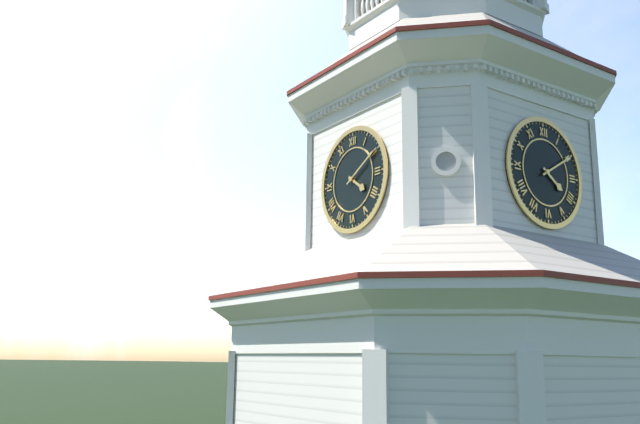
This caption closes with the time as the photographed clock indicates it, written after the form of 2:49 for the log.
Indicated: 4:10
